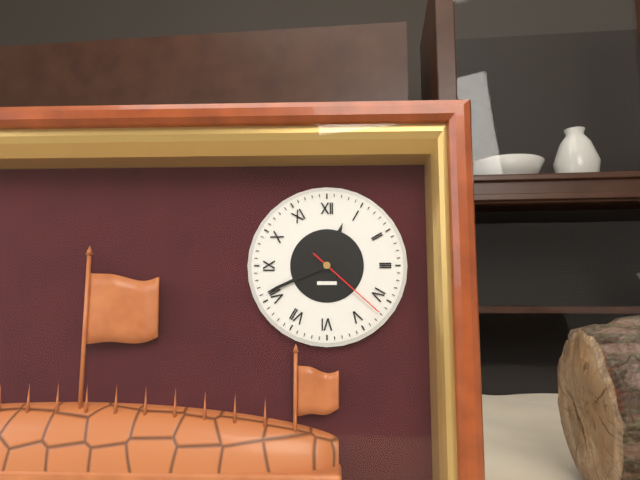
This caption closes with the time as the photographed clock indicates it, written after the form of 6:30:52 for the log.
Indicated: 12:41:22
